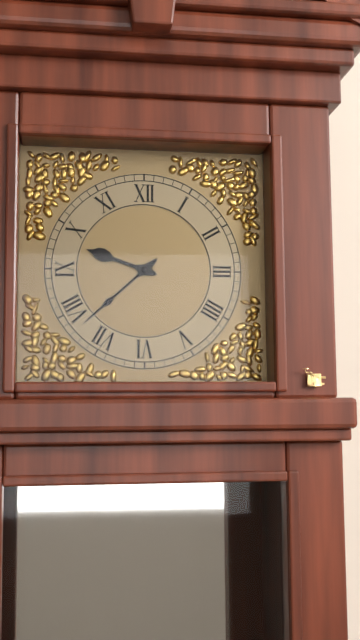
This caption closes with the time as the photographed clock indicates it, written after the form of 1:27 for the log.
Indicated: 9:38
